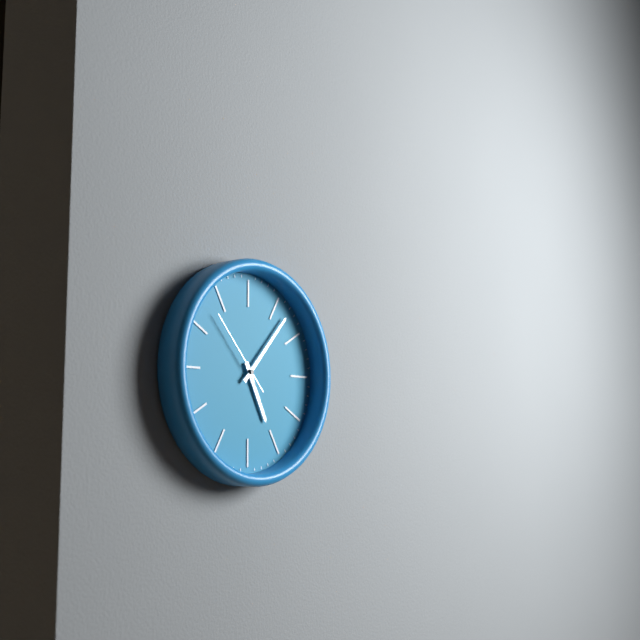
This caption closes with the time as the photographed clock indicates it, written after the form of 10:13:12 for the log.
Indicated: 5:07:53
